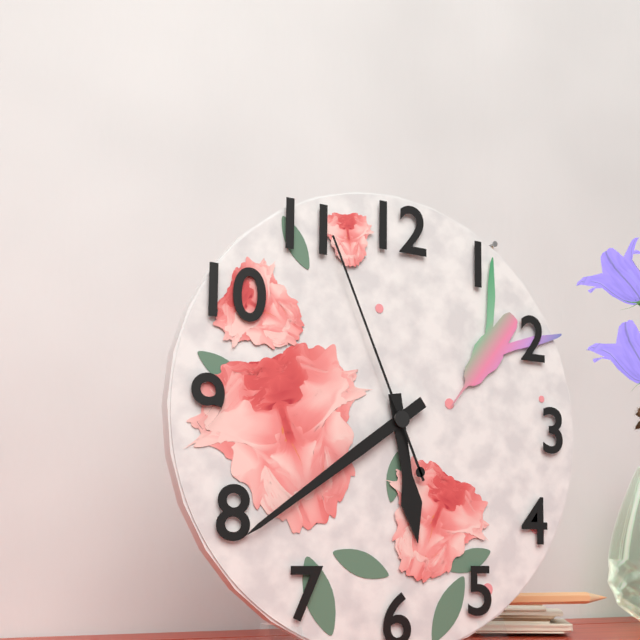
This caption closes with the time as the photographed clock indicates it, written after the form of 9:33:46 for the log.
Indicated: 5:39:56
